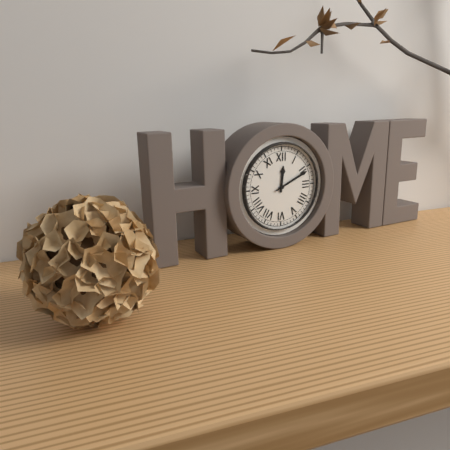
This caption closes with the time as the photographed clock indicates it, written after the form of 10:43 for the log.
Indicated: 12:11
